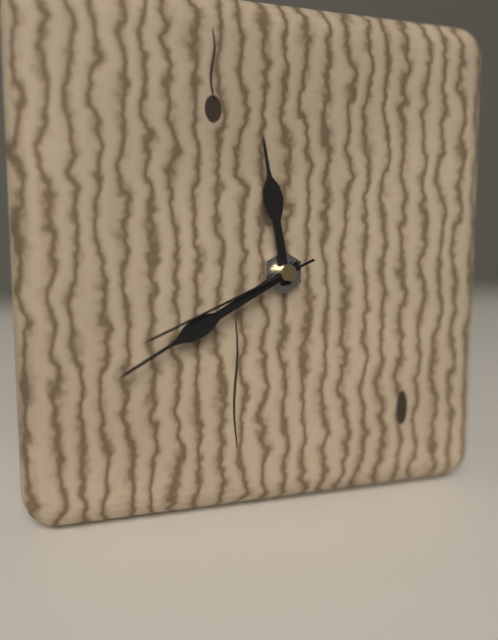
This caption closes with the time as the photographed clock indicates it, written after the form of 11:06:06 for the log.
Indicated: 11:40:41
